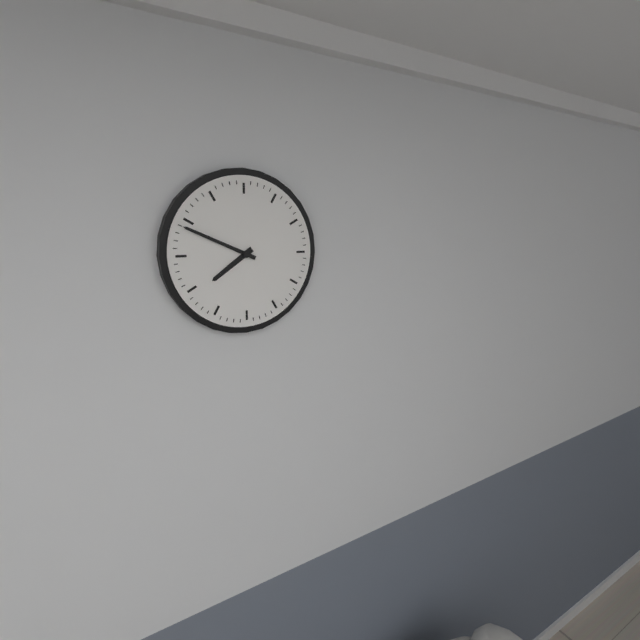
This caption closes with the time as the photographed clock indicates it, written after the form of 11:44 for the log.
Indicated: 7:49
